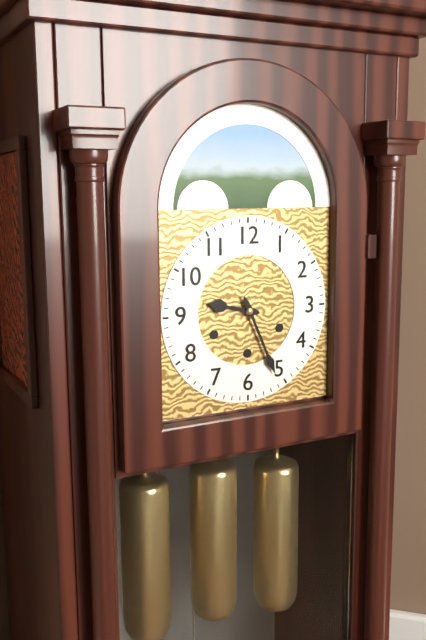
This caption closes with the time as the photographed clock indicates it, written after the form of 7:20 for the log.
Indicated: 9:26
